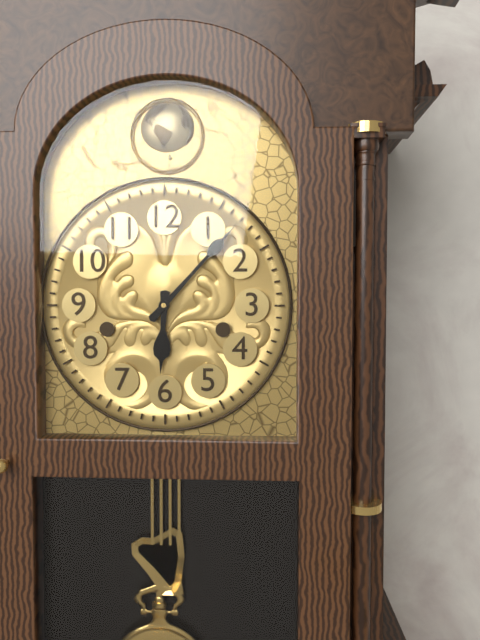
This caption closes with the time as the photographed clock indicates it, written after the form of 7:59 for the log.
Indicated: 6:07
